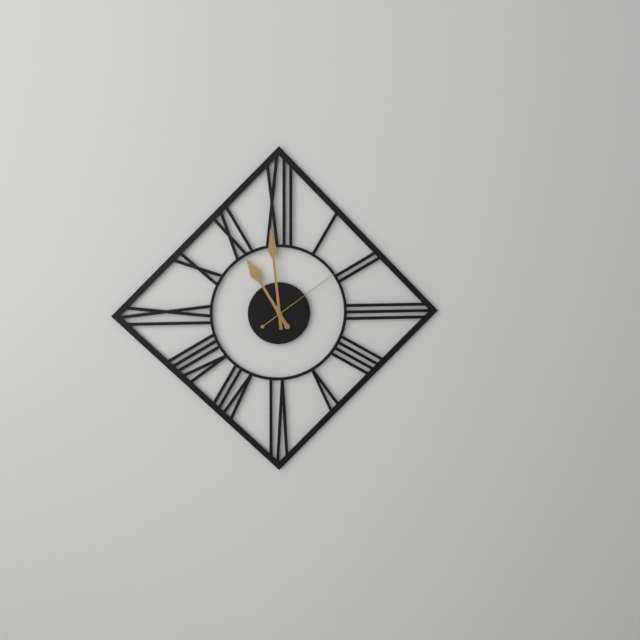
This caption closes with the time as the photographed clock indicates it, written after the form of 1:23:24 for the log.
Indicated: 10:59:09
